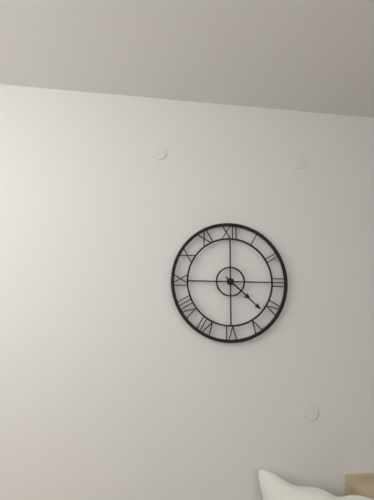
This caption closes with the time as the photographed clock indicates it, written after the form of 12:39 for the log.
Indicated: 4:22
